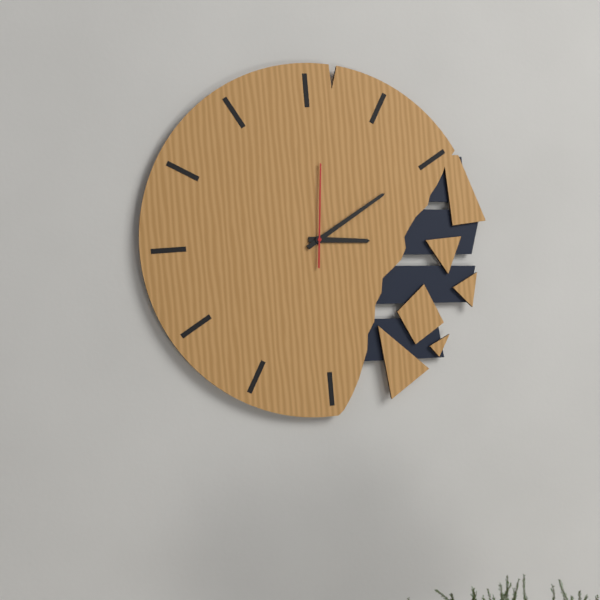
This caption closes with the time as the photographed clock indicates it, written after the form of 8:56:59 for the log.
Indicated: 3:10:01
